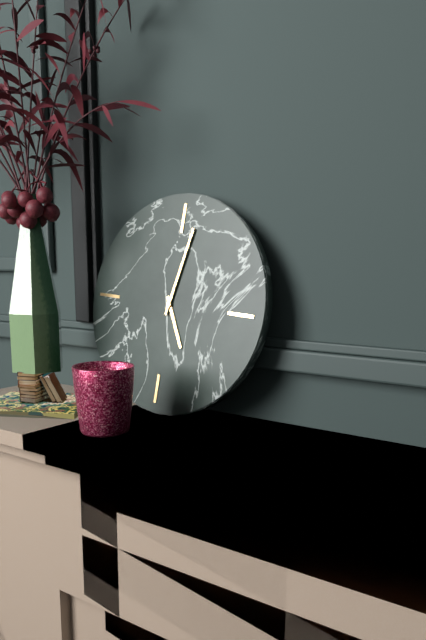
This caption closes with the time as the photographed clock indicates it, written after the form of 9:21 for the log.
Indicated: 5:02
